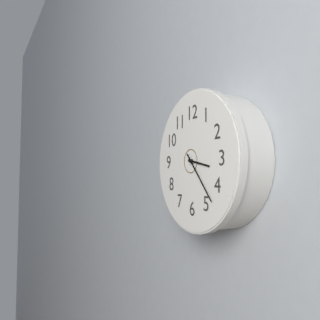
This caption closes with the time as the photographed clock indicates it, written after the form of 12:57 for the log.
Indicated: 3:23
